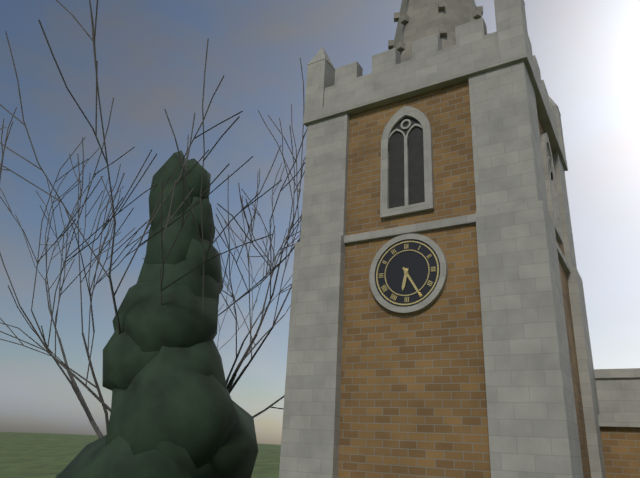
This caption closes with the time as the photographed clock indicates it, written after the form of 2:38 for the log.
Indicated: 6:25
